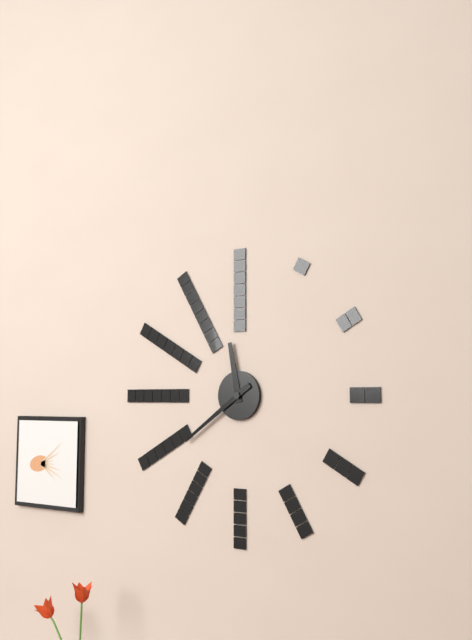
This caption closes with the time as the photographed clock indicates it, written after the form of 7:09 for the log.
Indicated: 11:39
